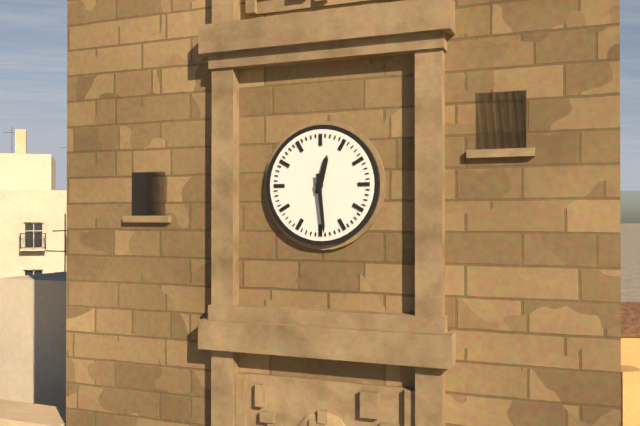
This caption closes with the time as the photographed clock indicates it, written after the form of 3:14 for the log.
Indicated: 12:29
